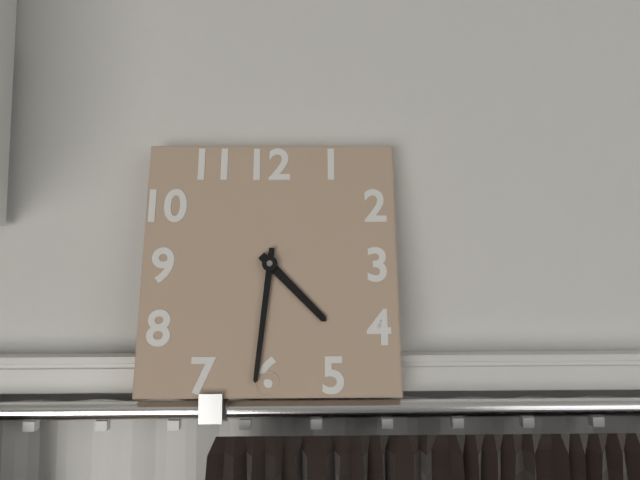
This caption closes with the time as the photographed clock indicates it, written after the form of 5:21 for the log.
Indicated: 4:31
